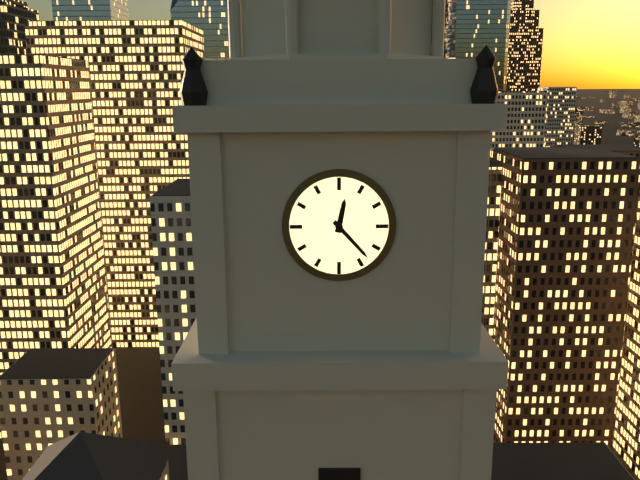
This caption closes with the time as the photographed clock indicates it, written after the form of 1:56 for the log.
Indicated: 12:23
